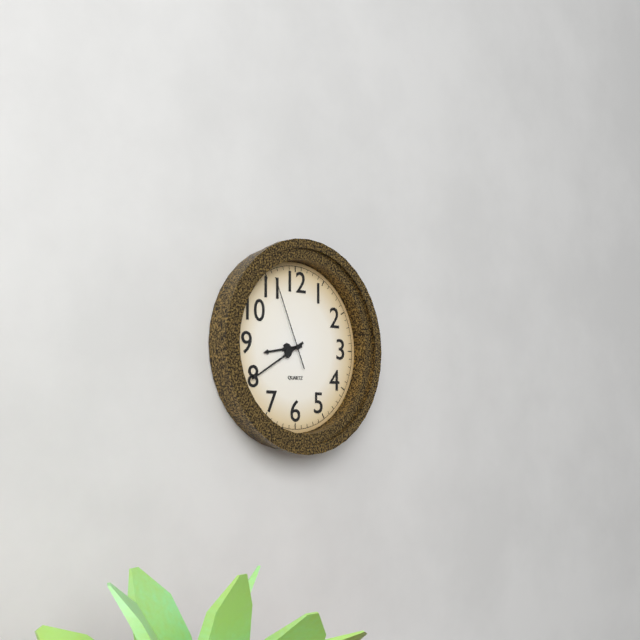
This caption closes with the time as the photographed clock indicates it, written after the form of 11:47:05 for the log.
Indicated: 8:40:56
